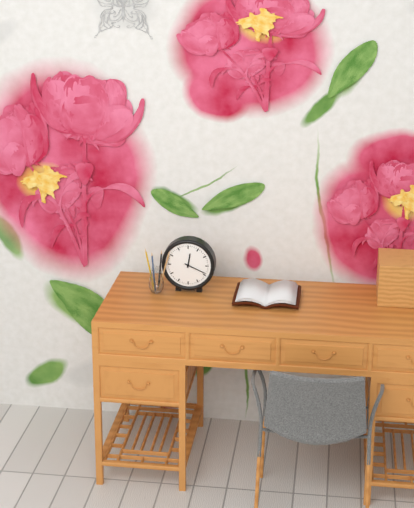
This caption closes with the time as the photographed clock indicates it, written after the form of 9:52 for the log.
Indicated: 12:19
